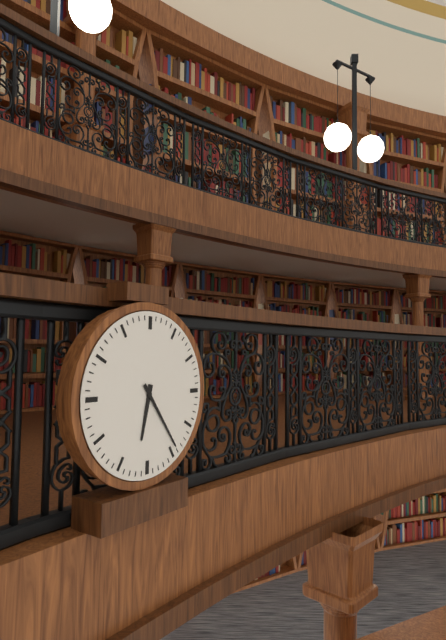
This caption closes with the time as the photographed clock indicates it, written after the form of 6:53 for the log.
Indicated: 6:24
